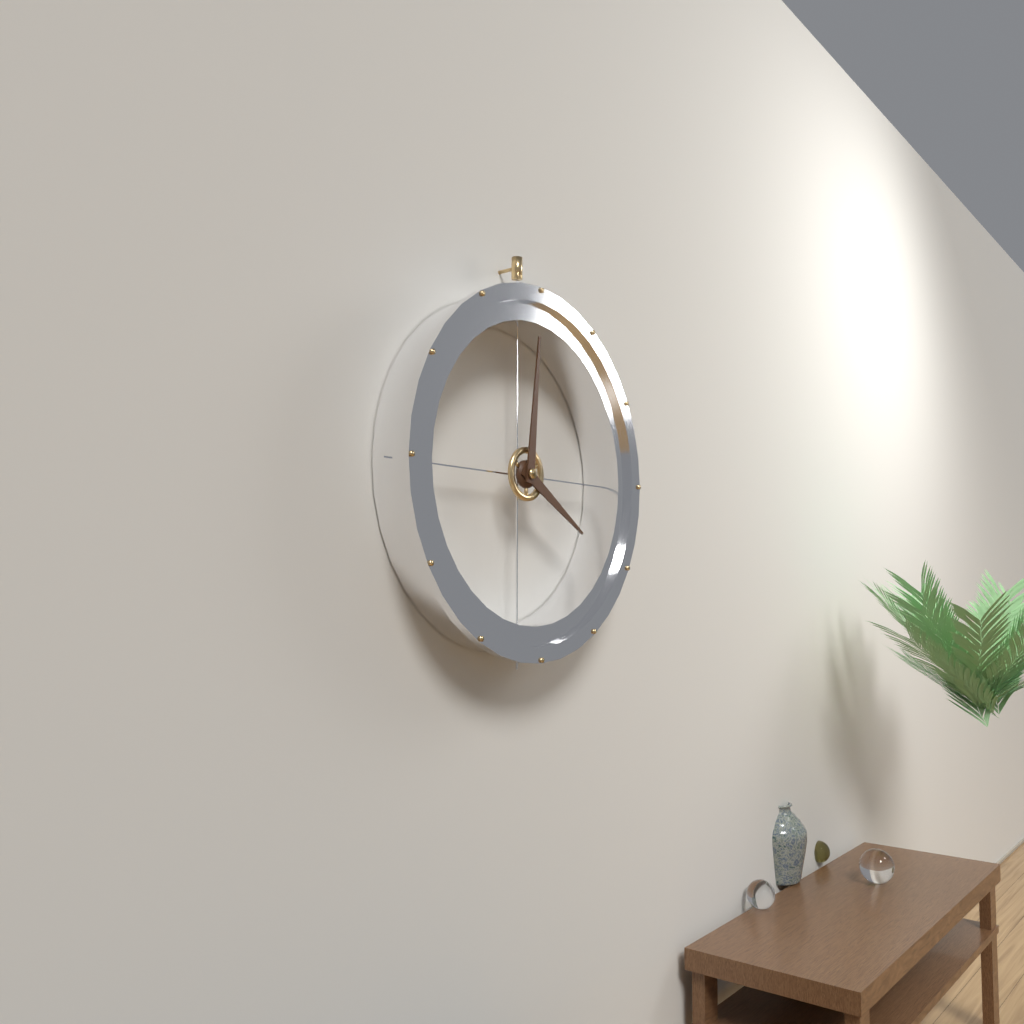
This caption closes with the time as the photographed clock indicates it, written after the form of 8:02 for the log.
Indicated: 4:01
